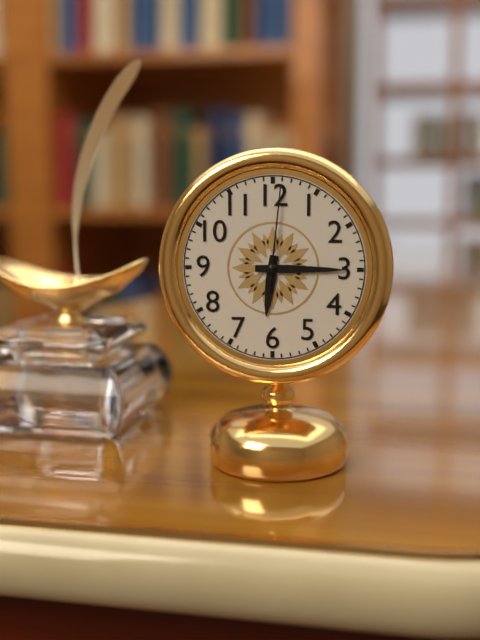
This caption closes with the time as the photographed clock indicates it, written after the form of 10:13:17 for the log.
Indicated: 6:15:01
